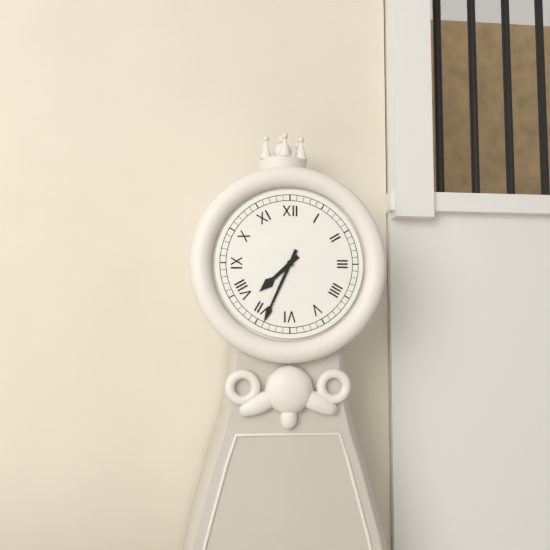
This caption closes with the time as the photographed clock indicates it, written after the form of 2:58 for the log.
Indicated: 7:34
